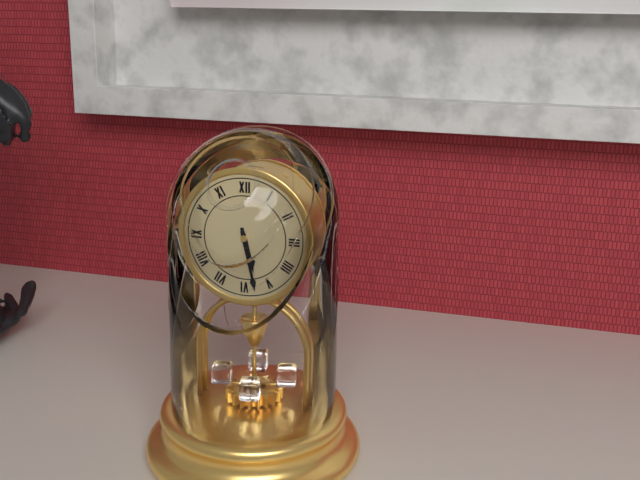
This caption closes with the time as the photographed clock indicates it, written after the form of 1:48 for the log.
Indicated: 5:28
